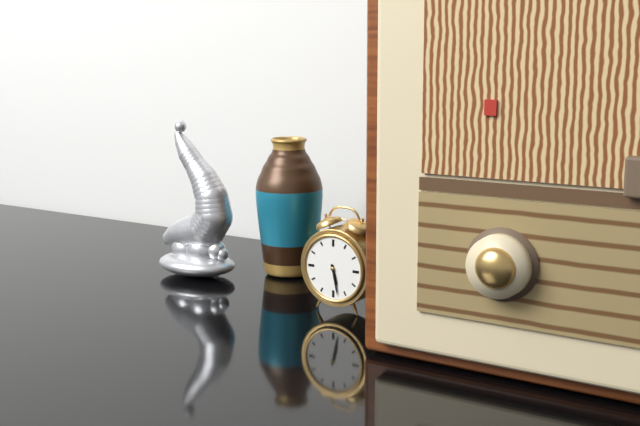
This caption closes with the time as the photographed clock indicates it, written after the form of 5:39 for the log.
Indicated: 5:28
